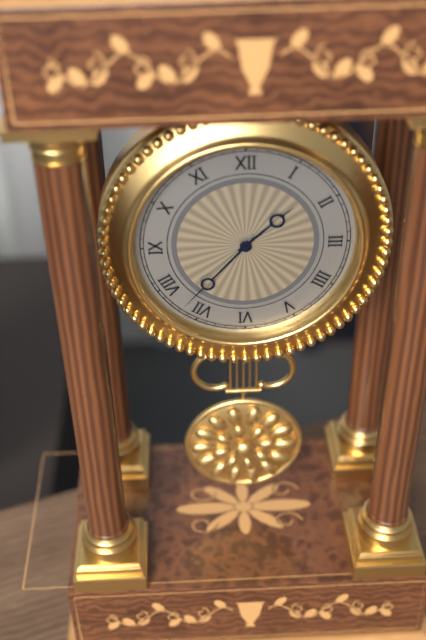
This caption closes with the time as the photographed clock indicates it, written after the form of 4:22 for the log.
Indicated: 1:37
